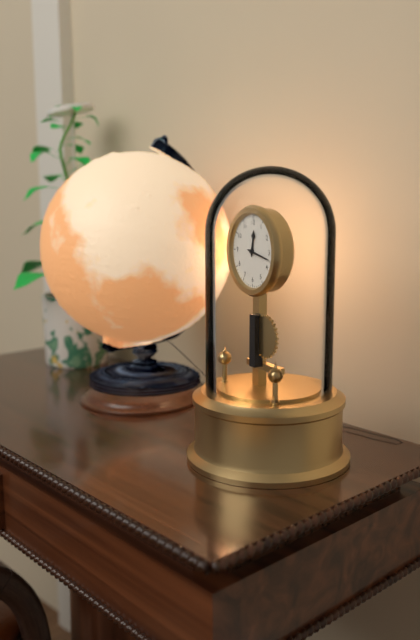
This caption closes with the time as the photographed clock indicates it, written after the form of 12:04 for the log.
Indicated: 12:17
